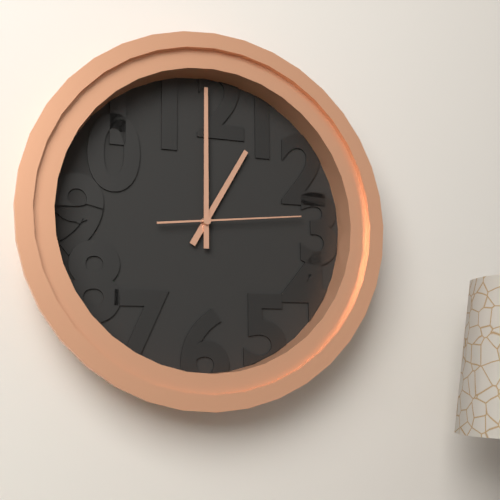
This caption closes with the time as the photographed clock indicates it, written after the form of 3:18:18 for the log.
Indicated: 1:00:14
